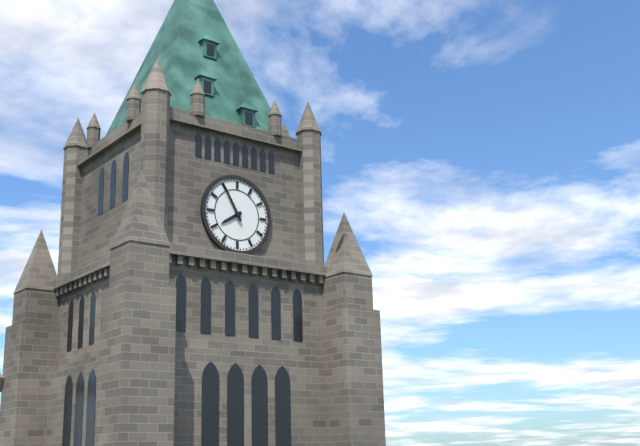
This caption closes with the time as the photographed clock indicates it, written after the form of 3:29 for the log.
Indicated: 7:55
